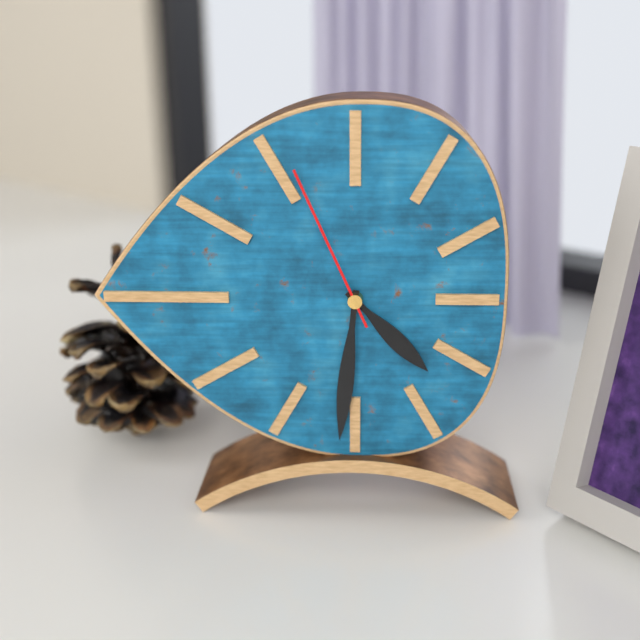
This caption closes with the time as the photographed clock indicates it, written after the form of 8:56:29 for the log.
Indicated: 4:31:56
